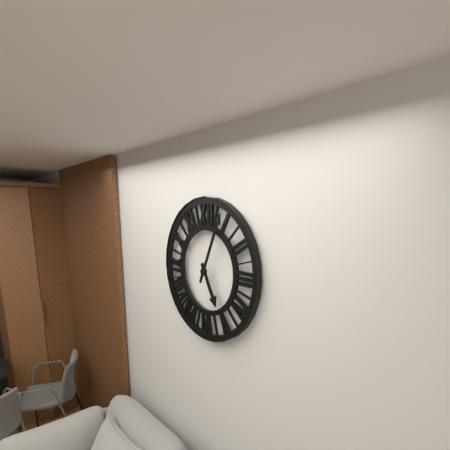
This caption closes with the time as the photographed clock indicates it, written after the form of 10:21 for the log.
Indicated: 5:04
